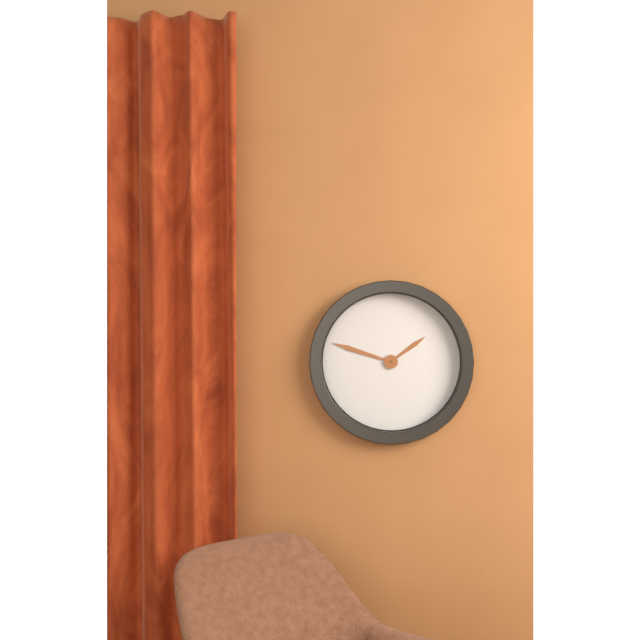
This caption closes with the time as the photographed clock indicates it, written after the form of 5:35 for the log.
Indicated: 1:48
